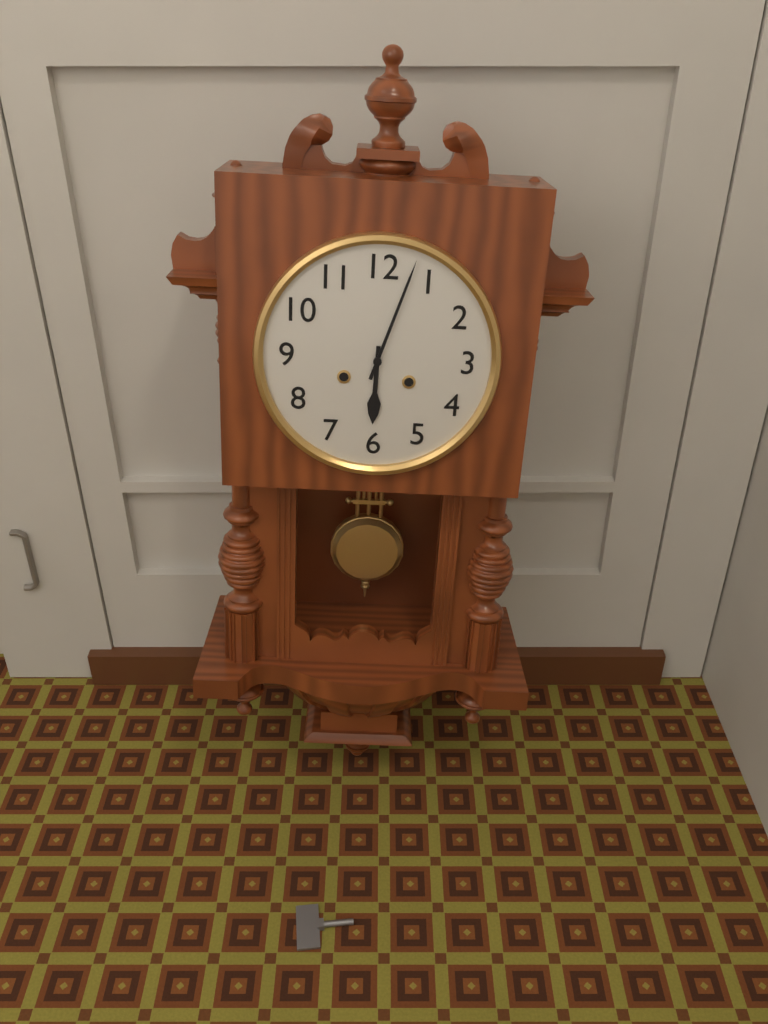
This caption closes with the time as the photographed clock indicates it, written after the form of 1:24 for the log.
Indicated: 6:03
